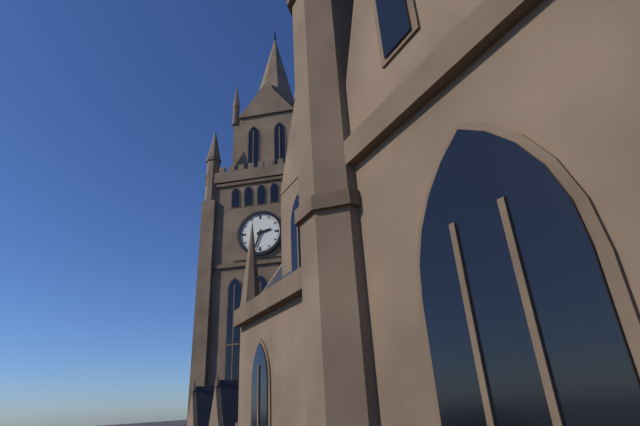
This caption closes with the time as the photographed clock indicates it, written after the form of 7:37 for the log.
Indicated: 2:33
